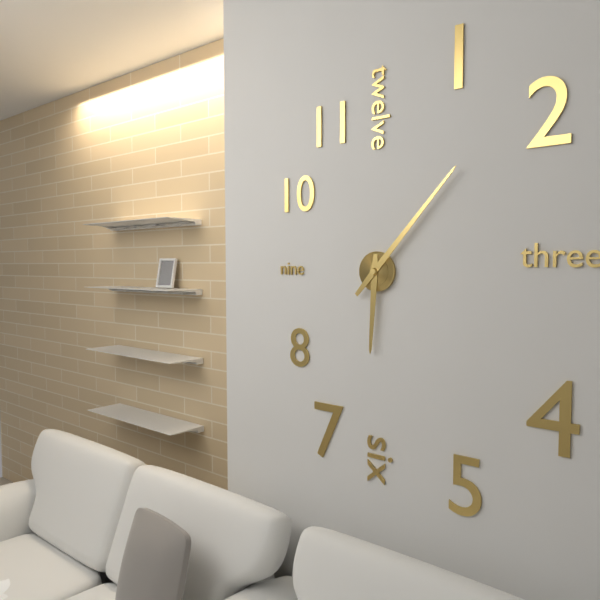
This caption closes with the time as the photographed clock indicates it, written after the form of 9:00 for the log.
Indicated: 6:07
